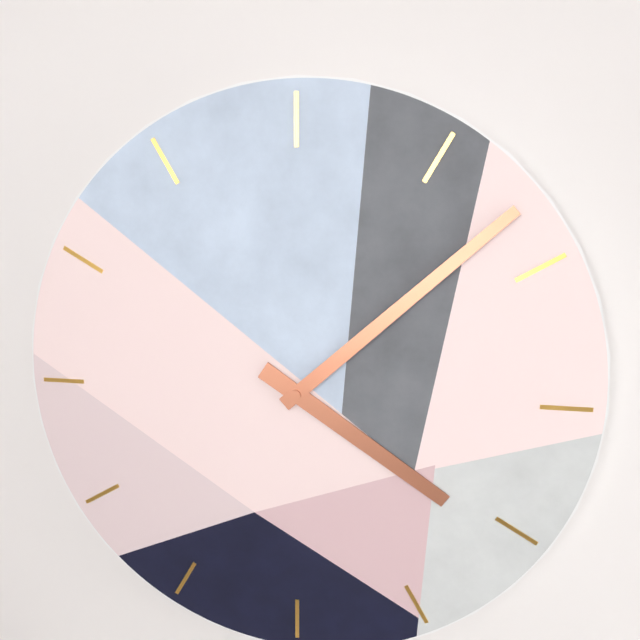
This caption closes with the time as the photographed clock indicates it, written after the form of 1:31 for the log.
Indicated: 4:08
